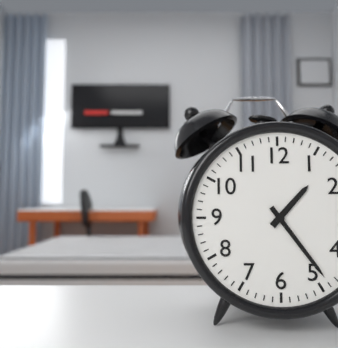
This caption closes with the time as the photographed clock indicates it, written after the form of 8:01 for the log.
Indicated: 1:24
